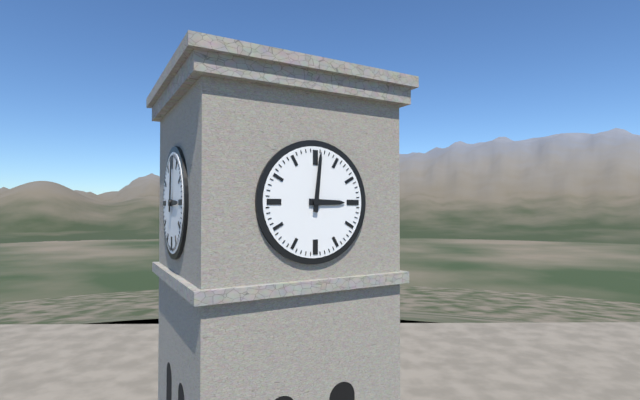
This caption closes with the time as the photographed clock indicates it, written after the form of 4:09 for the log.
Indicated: 3:01
